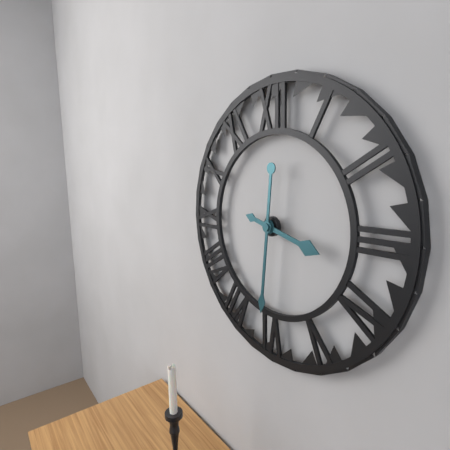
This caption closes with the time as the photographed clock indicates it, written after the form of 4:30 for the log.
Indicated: 3:31
